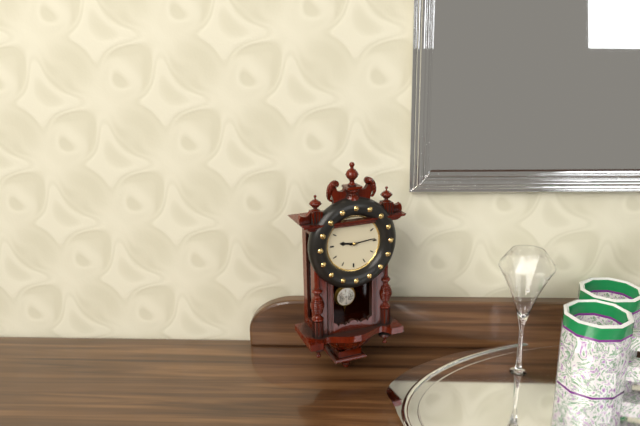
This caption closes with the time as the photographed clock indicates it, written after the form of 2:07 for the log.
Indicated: 9:14
